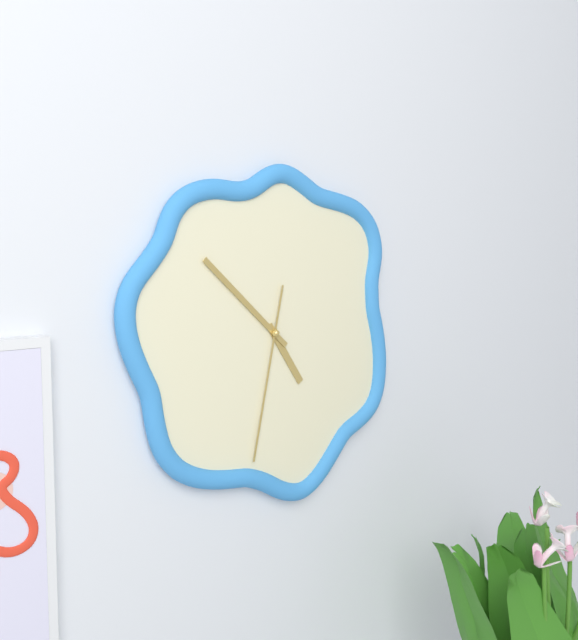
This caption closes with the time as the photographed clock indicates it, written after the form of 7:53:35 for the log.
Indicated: 4:52:32
